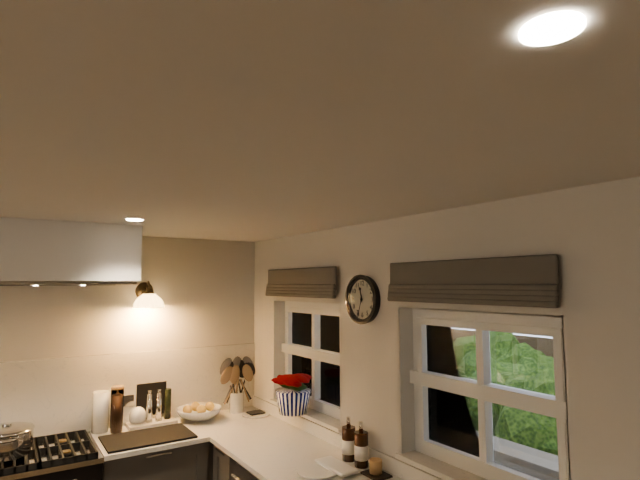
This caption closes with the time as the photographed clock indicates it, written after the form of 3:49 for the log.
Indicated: 11:33
